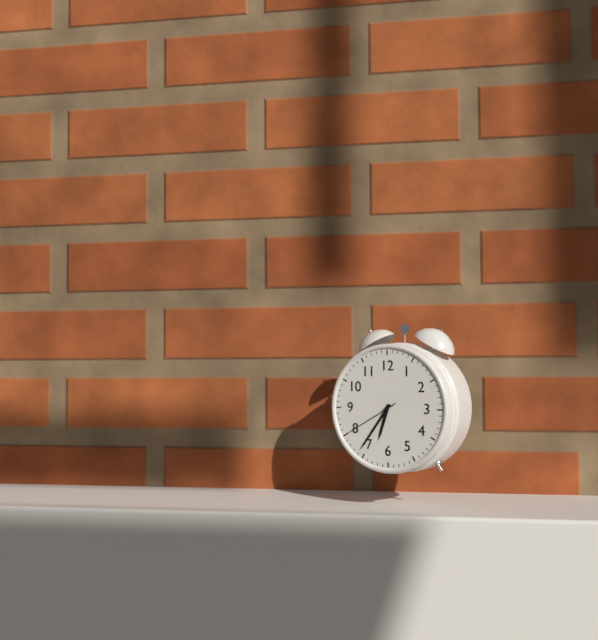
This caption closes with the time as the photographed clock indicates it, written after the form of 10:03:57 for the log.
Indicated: 6:36:40
